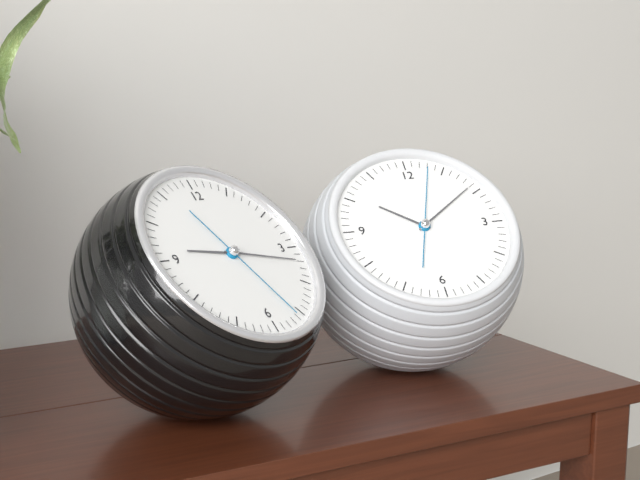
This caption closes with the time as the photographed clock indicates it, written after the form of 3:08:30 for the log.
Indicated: 9:17:26
